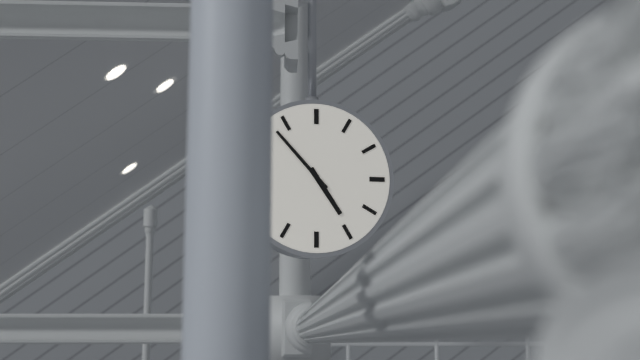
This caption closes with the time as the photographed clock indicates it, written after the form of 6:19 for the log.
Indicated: 4:53
